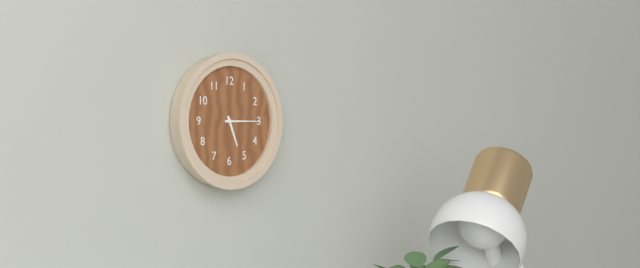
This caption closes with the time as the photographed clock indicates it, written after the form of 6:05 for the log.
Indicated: 5:15
